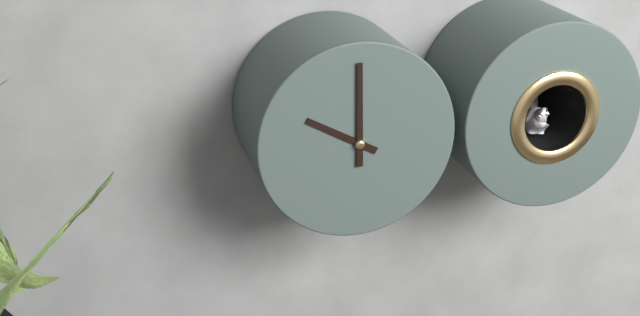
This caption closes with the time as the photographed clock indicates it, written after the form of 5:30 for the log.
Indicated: 10:00
